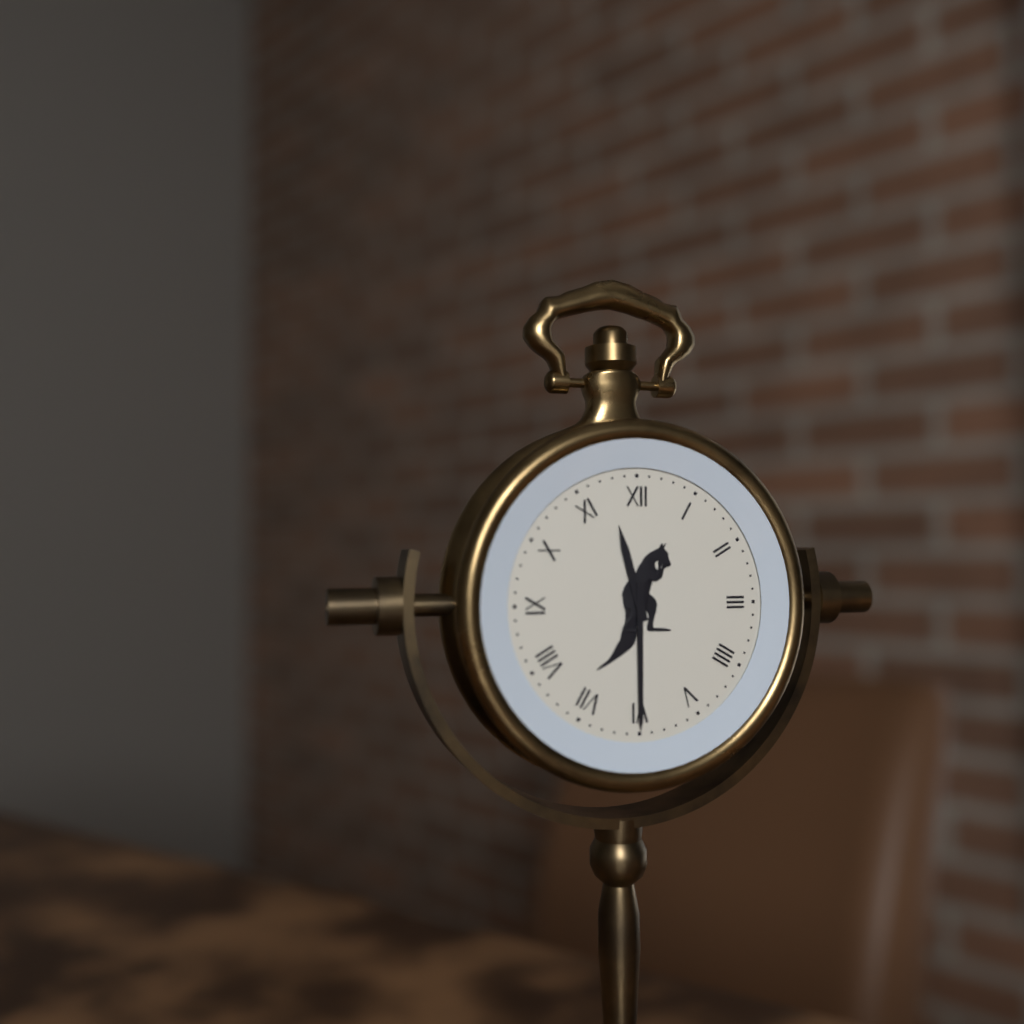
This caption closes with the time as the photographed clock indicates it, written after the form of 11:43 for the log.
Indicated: 11:30
